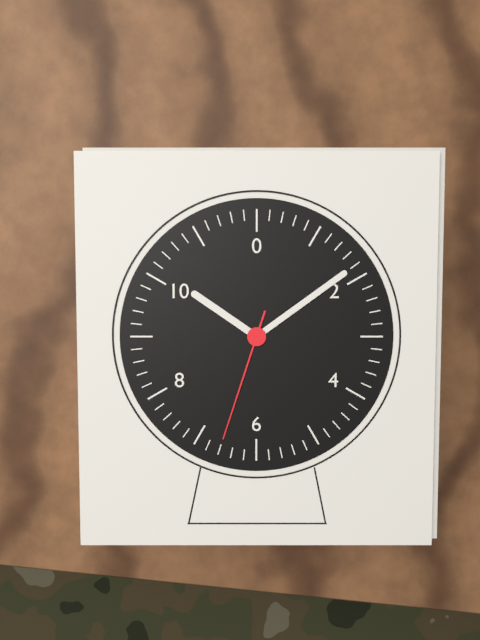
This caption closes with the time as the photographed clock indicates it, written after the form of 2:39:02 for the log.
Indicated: 10:09:33
